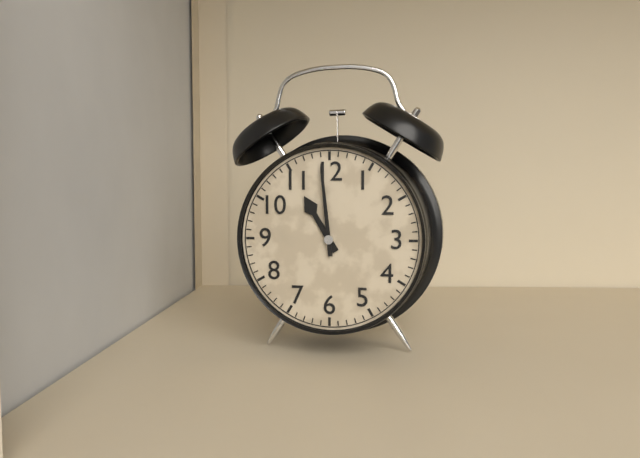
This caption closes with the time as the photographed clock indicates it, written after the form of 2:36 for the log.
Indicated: 10:59
